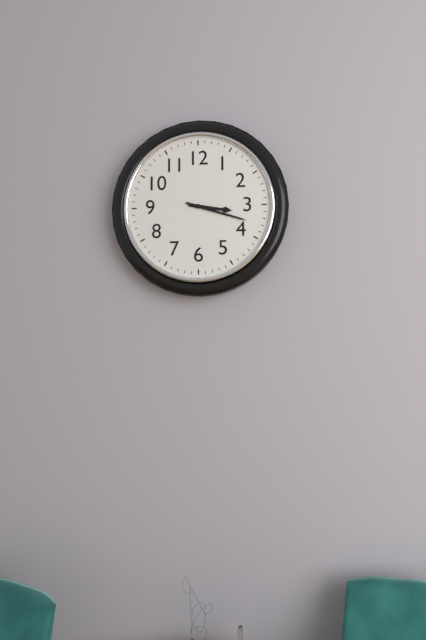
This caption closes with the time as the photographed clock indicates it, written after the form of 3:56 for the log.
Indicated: 3:18
